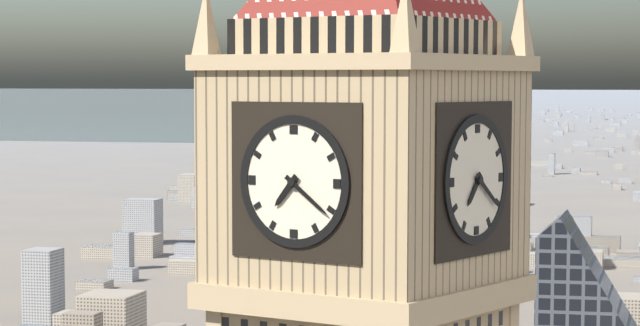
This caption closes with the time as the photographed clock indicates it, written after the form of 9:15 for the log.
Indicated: 7:21
